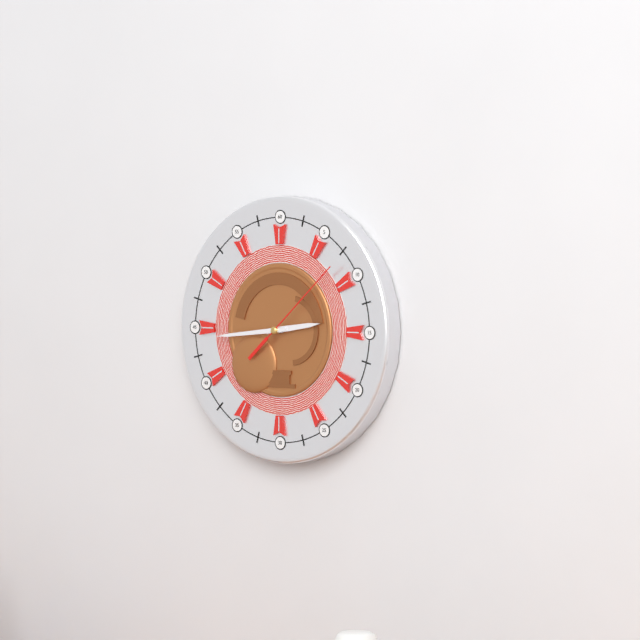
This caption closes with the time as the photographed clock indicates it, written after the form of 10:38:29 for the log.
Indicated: 2:44:08
